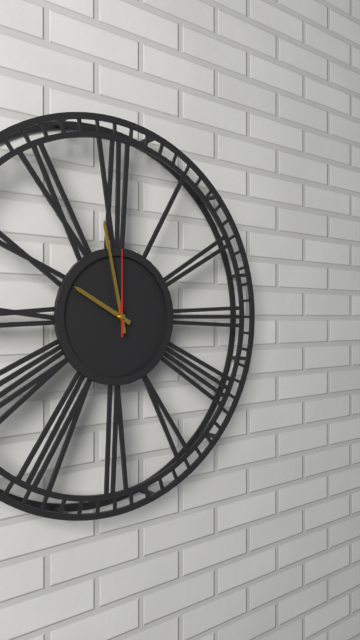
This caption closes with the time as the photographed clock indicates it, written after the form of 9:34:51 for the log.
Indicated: 9:58:00
